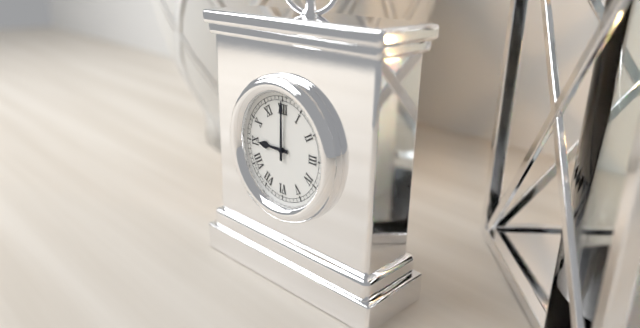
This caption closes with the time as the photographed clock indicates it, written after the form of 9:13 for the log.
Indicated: 9:00
